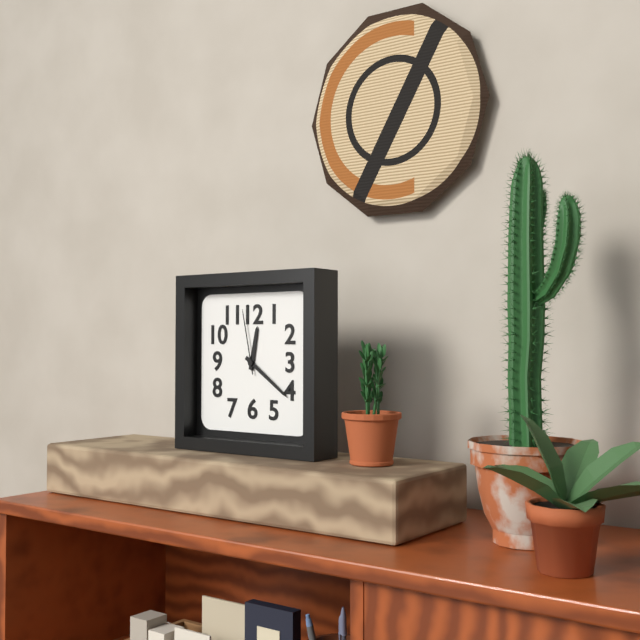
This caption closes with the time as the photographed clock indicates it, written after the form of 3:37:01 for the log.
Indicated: 12:21:58
